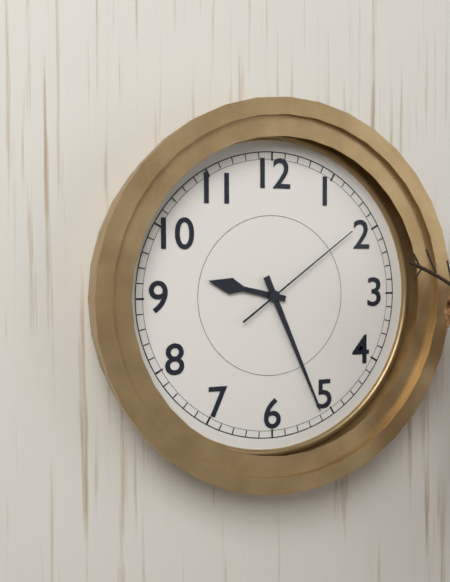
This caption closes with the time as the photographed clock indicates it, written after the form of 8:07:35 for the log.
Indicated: 9:26:09
